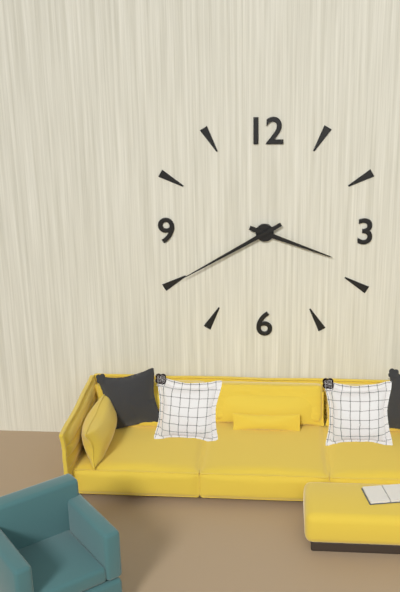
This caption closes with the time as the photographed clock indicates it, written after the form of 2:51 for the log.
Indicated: 3:40
